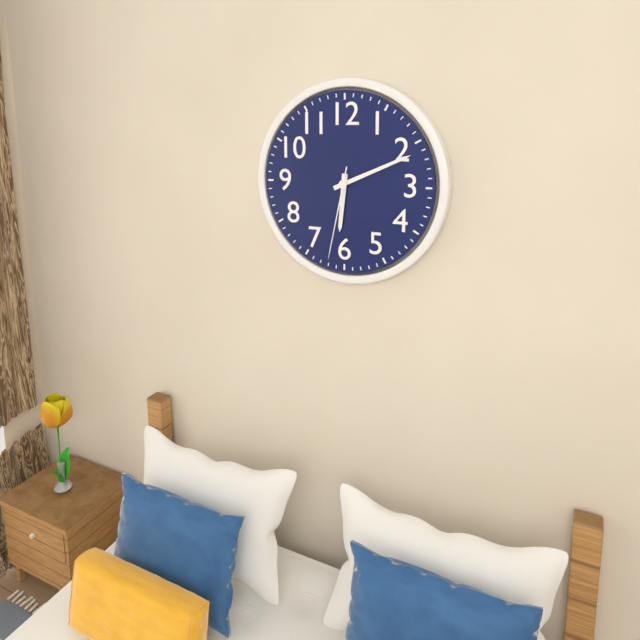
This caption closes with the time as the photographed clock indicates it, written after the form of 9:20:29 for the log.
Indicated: 6:11:32
